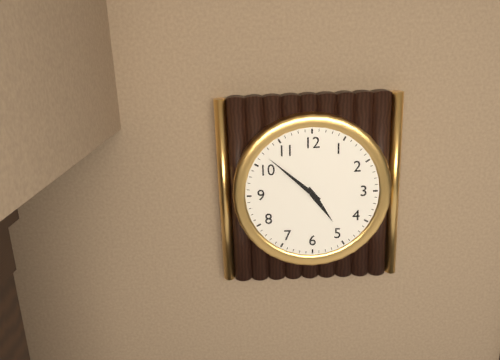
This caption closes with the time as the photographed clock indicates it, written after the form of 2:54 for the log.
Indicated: 4:52
